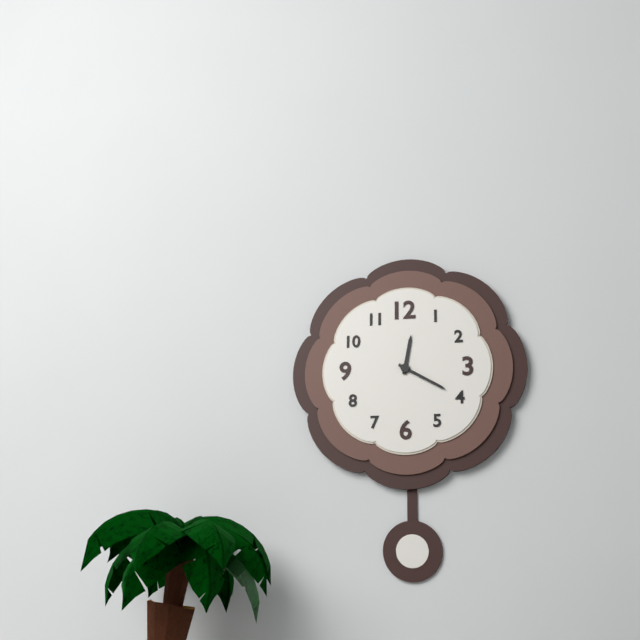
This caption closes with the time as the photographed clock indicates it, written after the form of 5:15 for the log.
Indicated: 12:20
